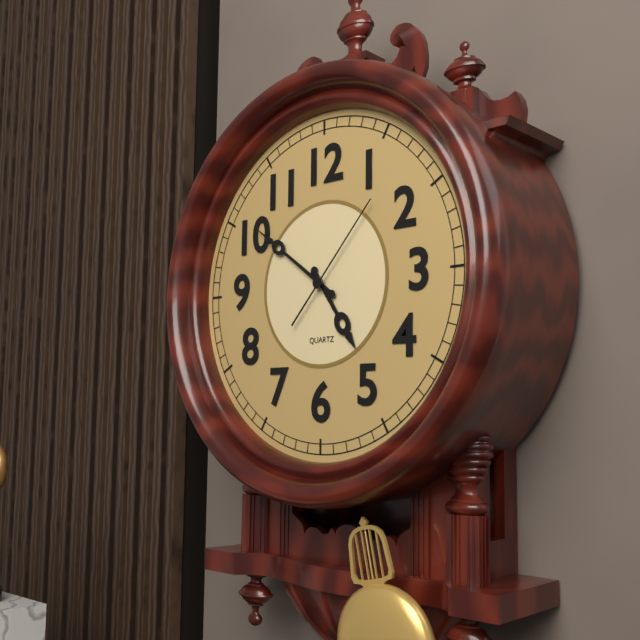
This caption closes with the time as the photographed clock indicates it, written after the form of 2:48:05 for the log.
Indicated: 4:51:07
